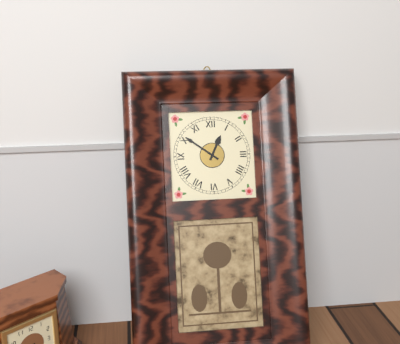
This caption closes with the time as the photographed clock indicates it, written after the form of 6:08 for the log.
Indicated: 12:51
